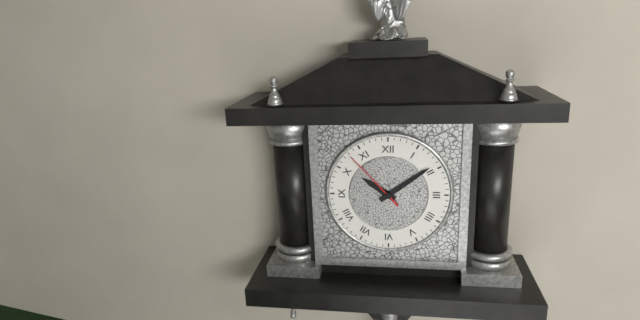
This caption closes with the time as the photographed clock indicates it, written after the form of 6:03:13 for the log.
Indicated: 10:09:53
